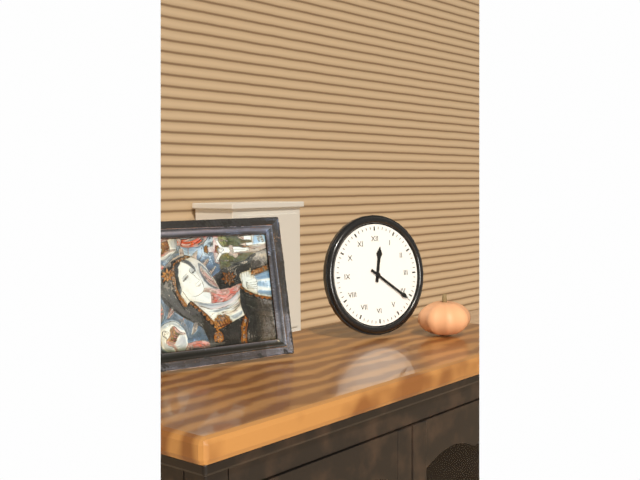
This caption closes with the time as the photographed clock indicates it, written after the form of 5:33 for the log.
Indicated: 12:21
